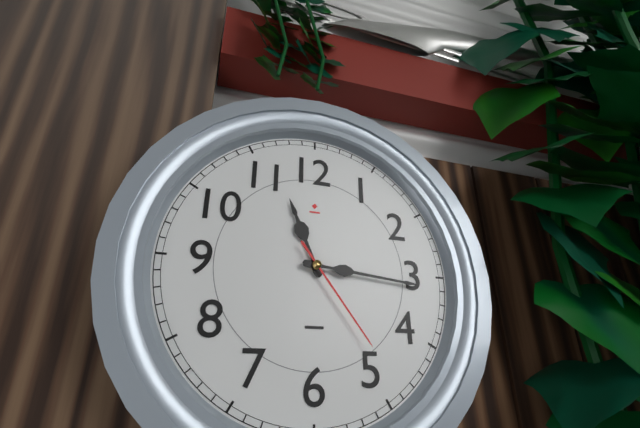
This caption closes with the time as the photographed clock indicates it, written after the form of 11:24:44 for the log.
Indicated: 11:16:24
